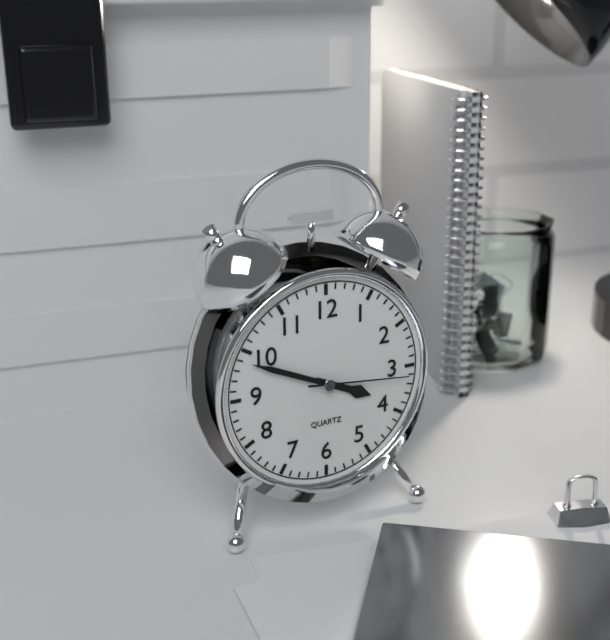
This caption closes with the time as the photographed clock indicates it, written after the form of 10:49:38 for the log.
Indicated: 3:49:16
